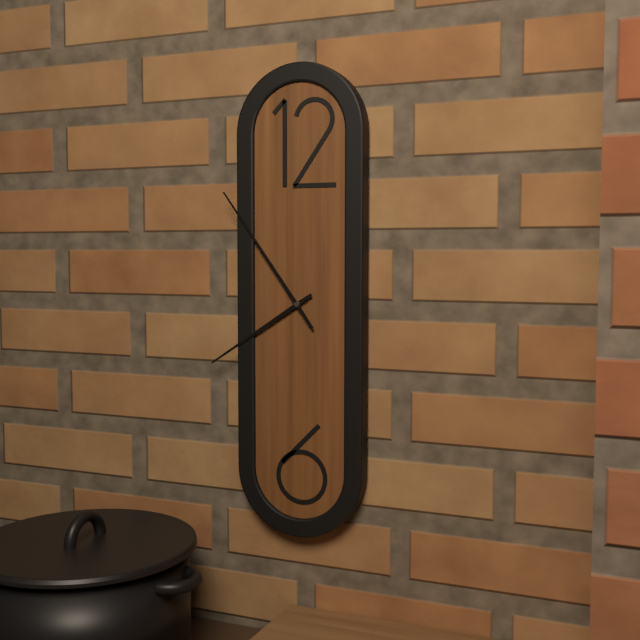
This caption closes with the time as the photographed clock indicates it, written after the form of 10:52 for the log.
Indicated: 7:54
